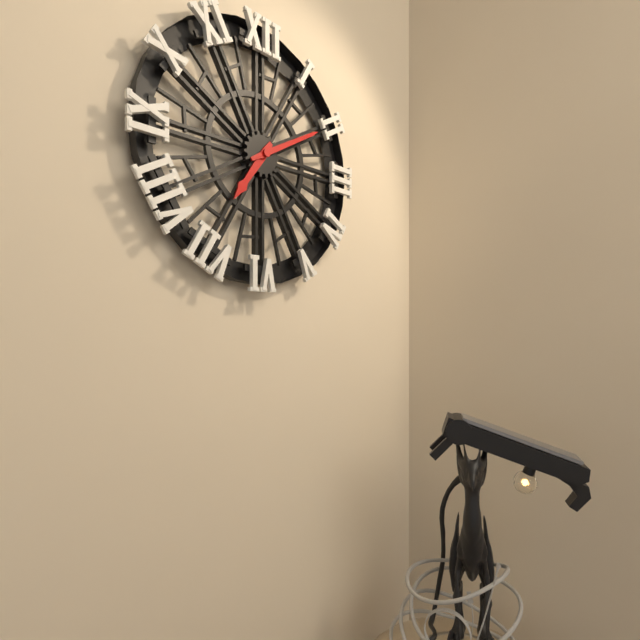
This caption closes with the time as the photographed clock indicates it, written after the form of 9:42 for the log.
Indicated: 7:10
